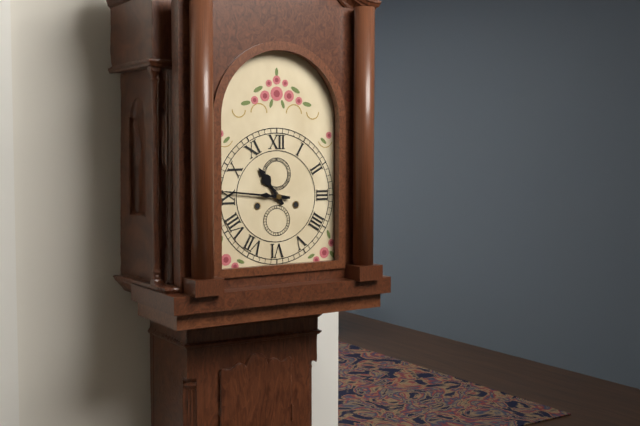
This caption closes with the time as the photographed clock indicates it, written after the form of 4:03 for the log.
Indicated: 10:46
